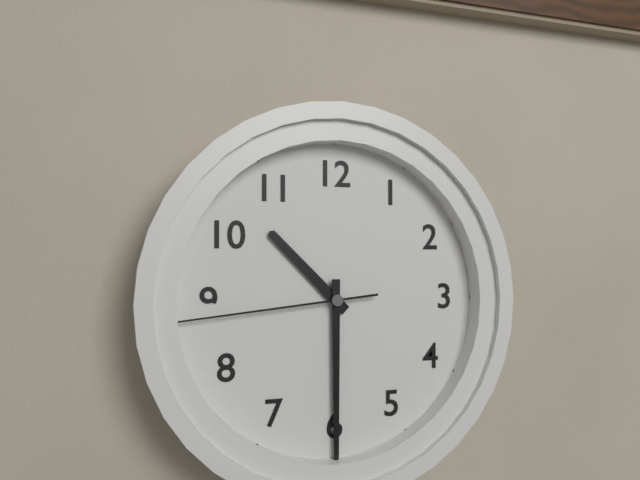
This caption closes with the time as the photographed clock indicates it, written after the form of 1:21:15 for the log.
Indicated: 10:30:44
